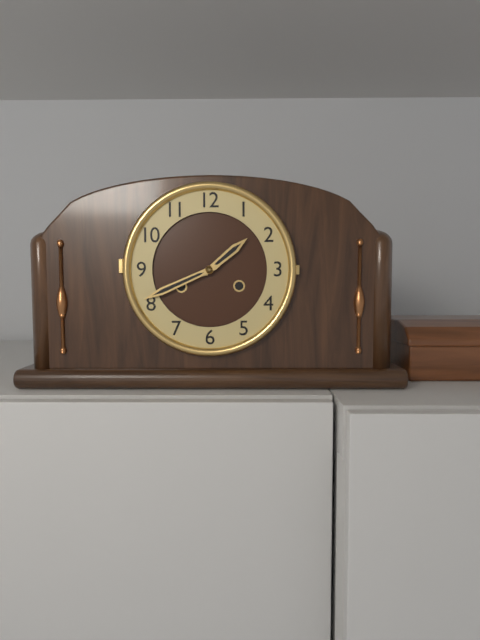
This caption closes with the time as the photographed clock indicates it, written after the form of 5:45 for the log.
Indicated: 1:41
